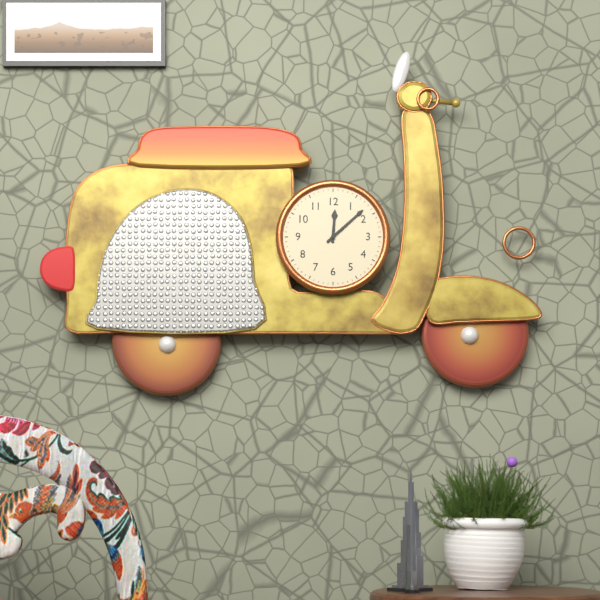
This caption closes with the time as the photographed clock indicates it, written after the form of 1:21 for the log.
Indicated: 12:08
